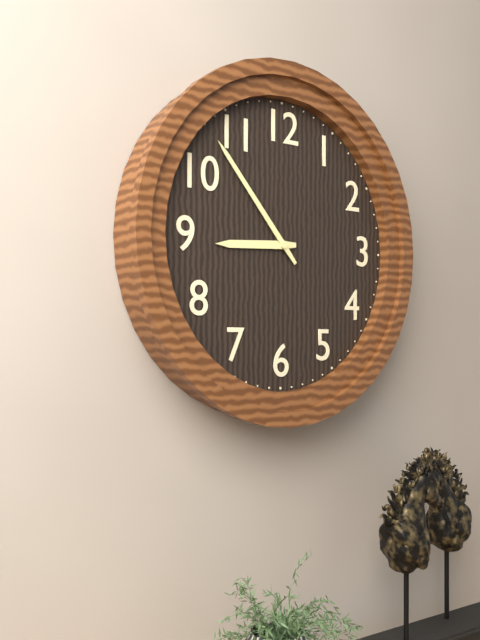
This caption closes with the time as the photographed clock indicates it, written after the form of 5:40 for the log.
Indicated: 8:53
